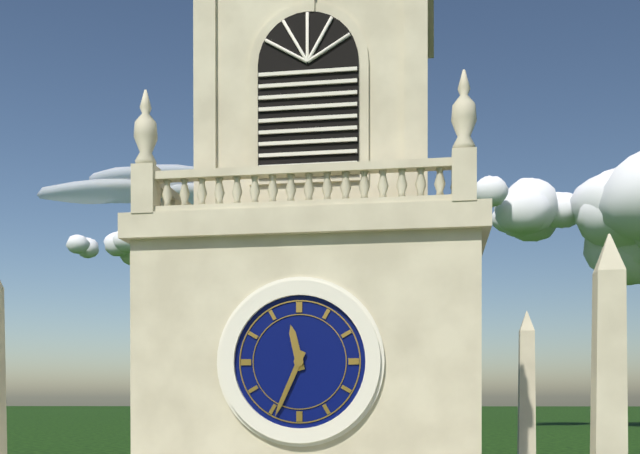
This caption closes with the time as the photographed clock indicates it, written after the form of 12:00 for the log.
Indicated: 11:34
